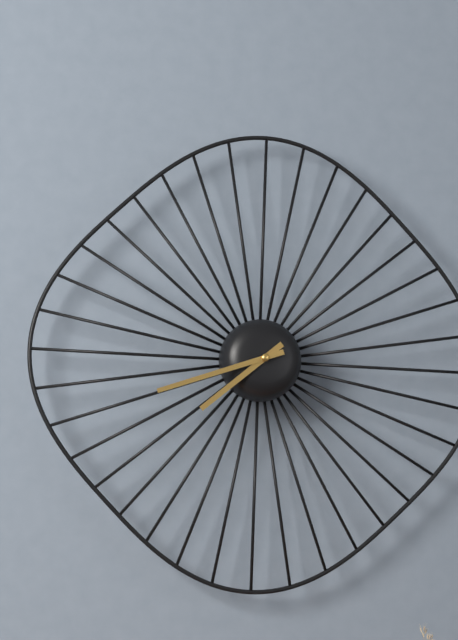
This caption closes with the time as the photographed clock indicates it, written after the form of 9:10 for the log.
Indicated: 7:42
